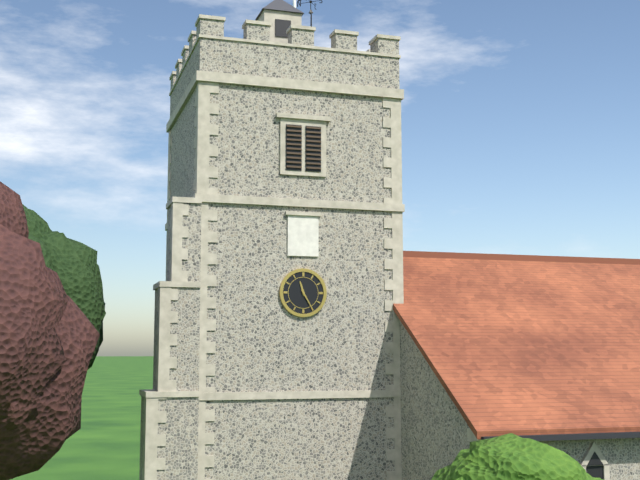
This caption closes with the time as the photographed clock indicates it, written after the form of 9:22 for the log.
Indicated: 11:25
